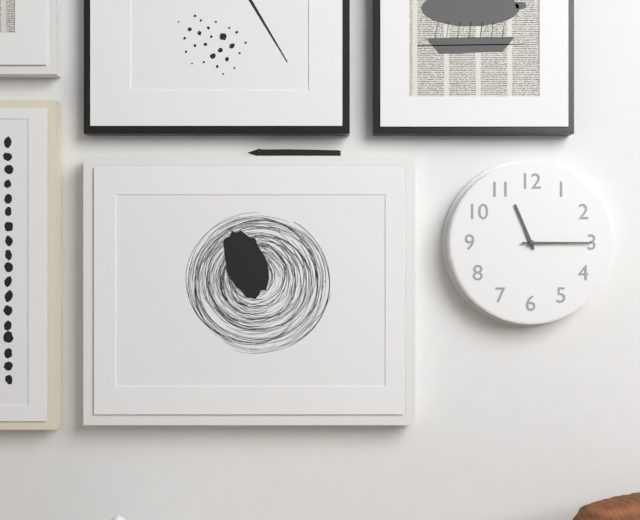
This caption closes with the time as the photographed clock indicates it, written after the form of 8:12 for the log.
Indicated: 11:15
